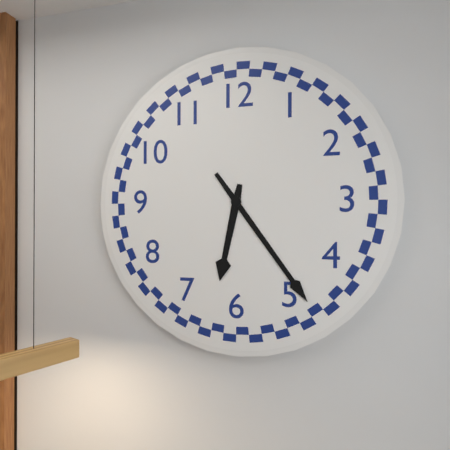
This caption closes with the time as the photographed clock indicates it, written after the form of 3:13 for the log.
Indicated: 6:24
